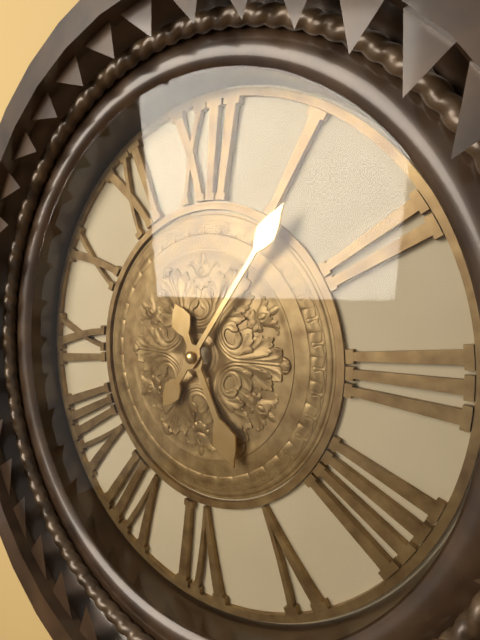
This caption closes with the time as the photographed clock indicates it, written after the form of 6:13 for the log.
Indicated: 5:06
